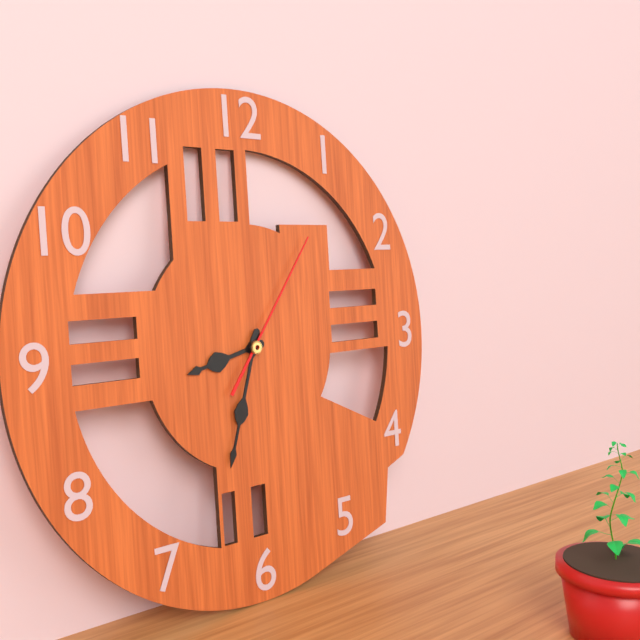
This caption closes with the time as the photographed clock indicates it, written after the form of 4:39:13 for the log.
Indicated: 8:33:06
